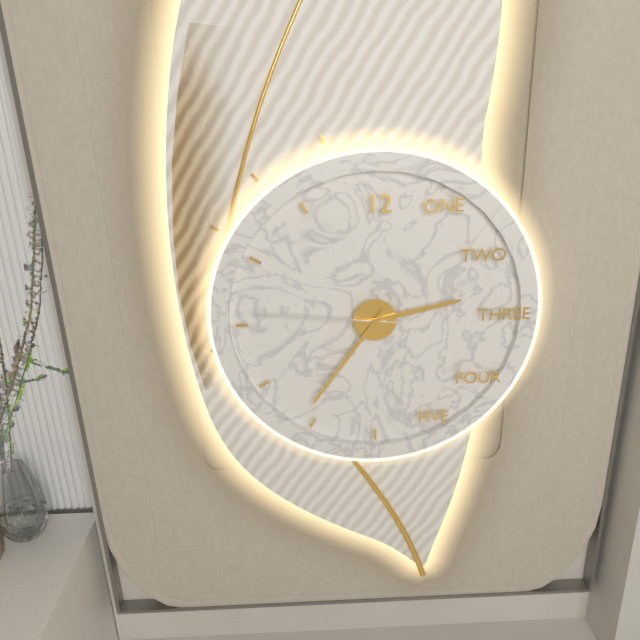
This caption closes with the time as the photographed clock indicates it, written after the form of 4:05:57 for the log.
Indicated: 2:36:46
